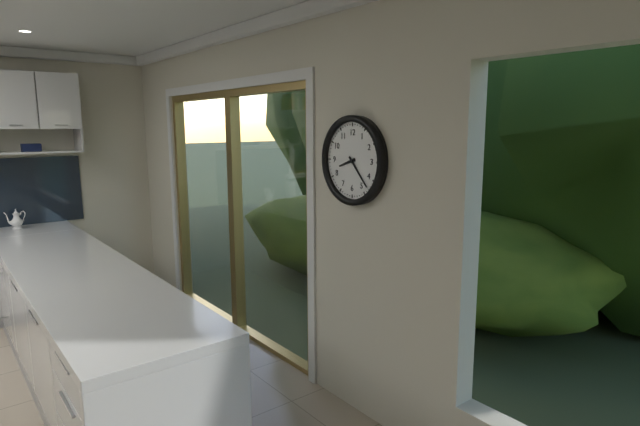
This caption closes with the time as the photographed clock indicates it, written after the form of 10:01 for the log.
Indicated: 8:23
